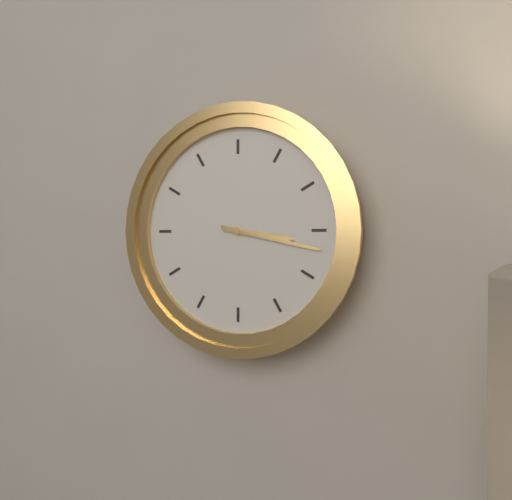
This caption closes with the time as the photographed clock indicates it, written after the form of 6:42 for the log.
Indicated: 3:17
